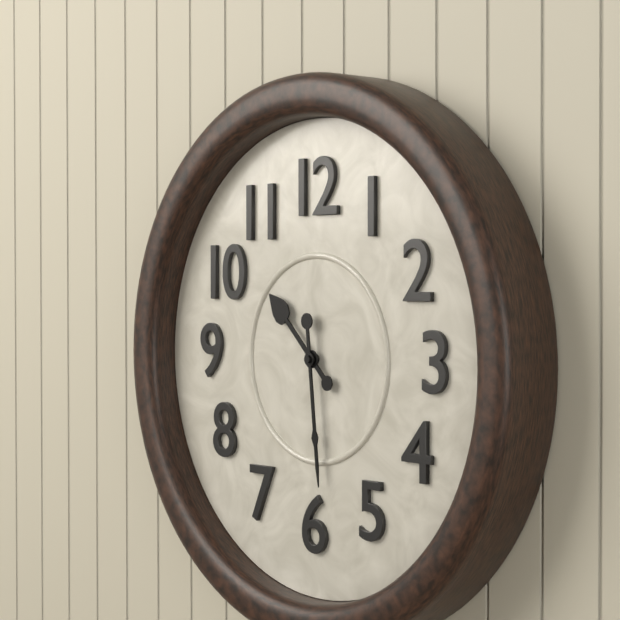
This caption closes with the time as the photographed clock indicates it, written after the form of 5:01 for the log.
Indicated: 10:29
